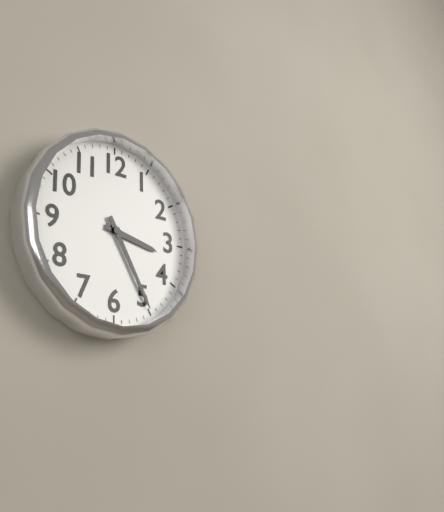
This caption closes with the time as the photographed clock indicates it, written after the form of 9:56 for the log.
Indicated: 3:25
